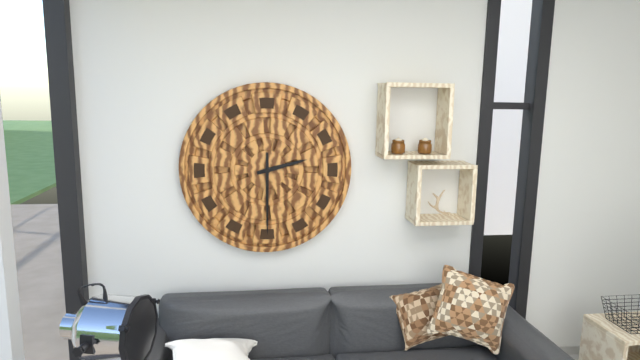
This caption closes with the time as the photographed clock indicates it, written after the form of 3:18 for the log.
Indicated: 2:30
